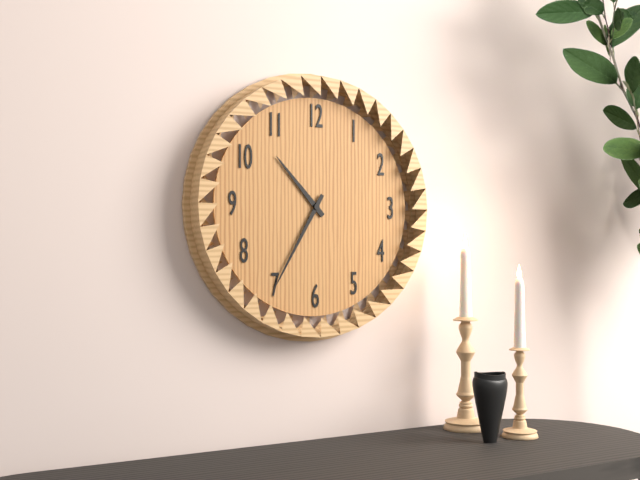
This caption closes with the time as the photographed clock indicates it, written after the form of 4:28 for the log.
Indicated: 10:35
